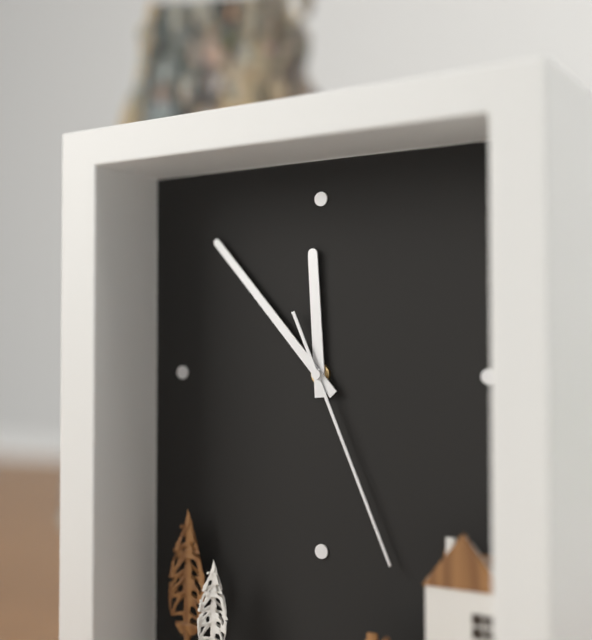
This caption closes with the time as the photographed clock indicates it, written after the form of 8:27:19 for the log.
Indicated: 11:53:26
